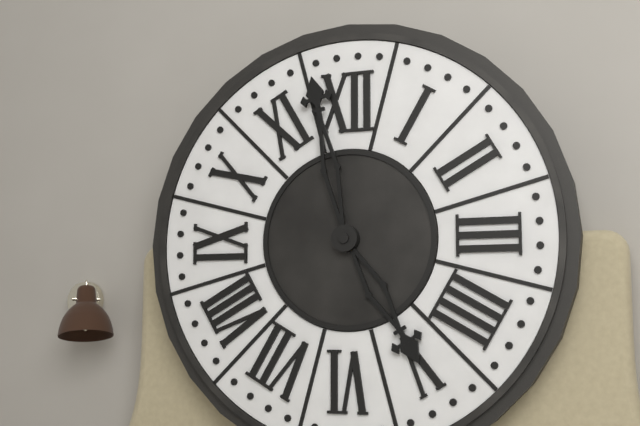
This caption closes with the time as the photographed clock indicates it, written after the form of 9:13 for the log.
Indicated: 4:58
